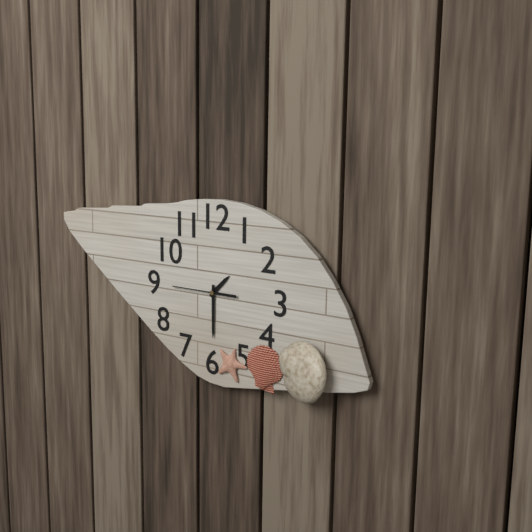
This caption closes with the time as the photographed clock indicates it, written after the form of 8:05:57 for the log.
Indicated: 1:30:45
